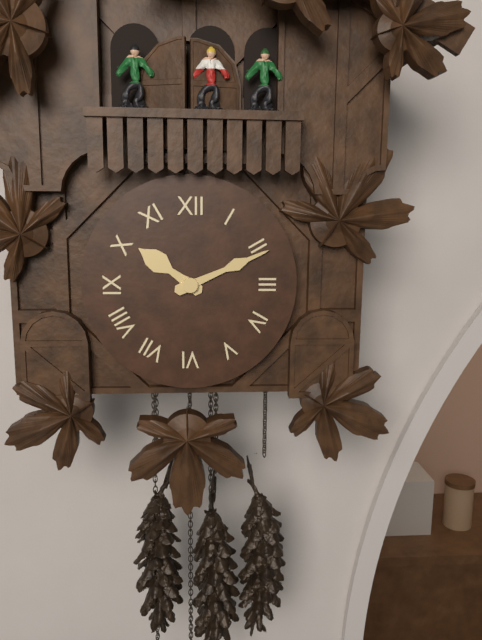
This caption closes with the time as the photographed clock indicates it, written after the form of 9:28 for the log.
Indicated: 10:11
